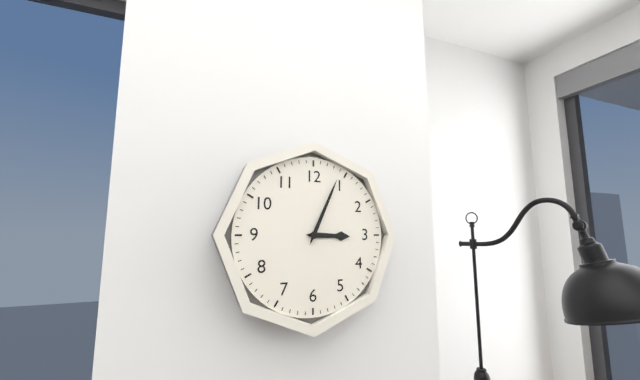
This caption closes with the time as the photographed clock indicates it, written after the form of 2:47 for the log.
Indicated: 3:04
